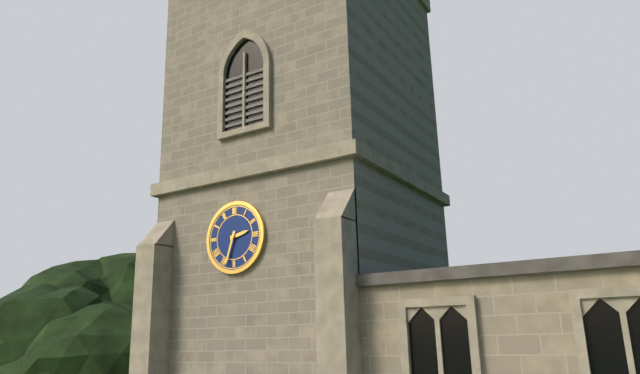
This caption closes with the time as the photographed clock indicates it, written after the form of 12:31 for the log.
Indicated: 2:33
